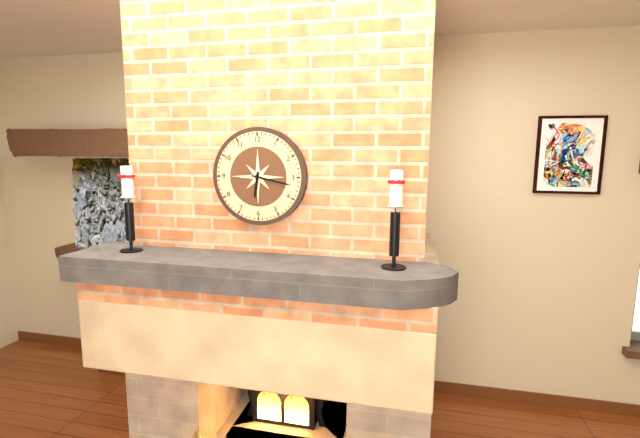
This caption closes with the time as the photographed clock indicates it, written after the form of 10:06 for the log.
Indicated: 6:17
